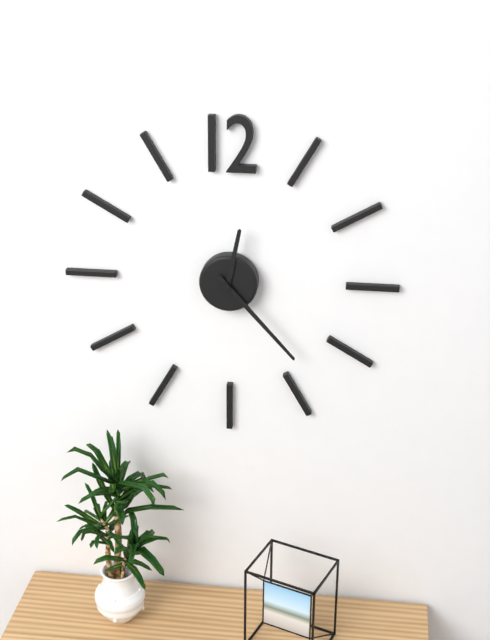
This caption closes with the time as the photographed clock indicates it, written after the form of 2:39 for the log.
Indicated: 12:23
